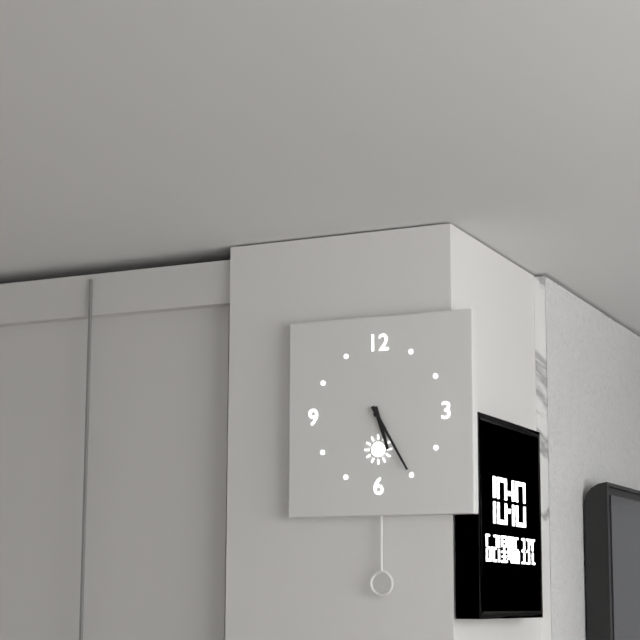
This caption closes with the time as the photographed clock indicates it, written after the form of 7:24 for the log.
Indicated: 5:25
